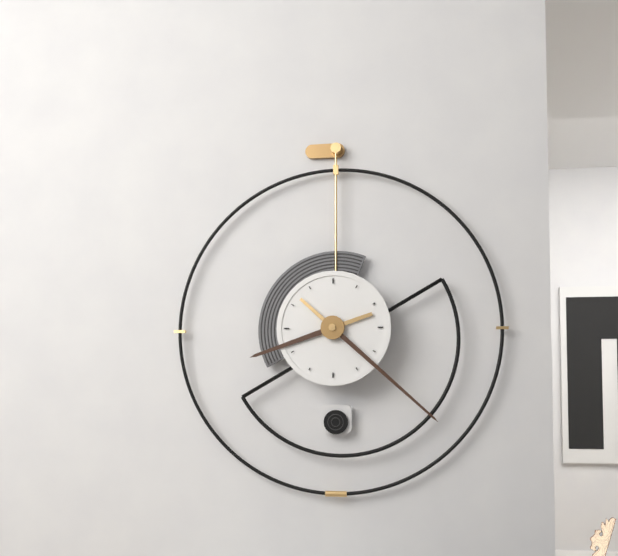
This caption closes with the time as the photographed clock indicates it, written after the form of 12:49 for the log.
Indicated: 8:22
